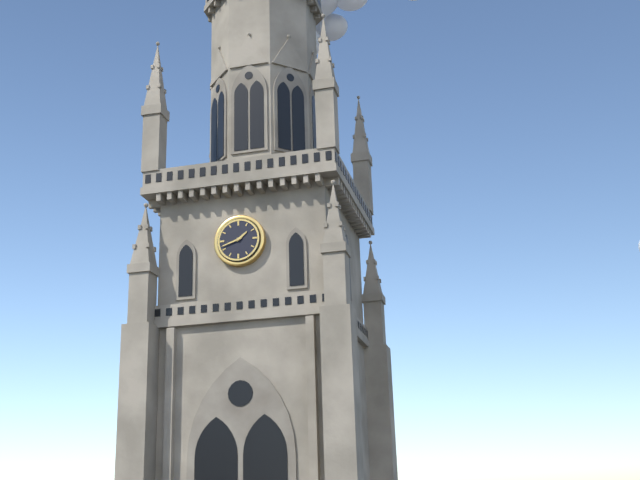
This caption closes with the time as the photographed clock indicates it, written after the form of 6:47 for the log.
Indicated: 1:42
